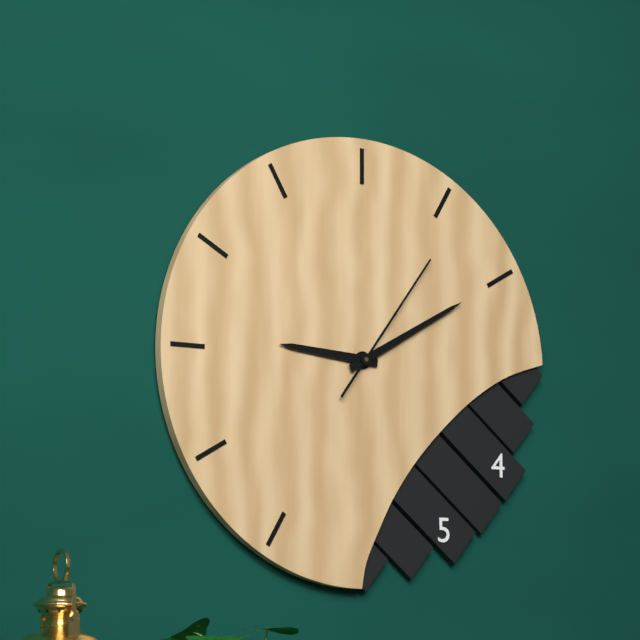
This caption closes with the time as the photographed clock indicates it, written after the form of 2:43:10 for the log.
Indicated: 9:10:06
